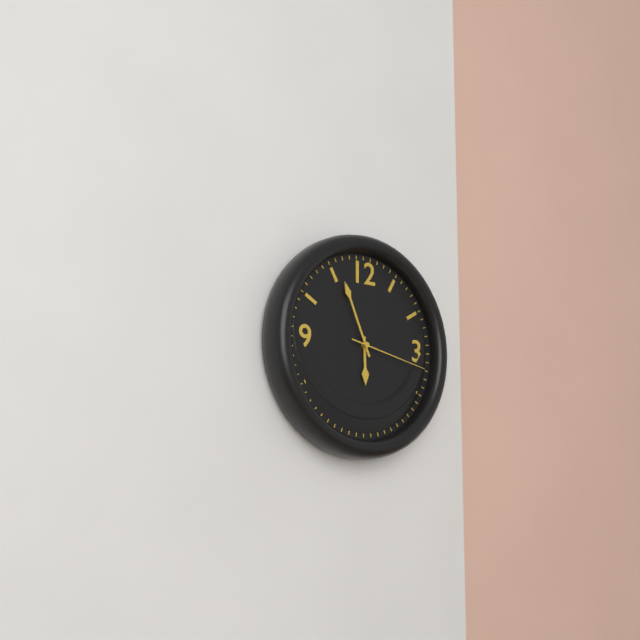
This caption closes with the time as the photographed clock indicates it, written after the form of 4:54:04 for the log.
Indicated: 5:56:17
